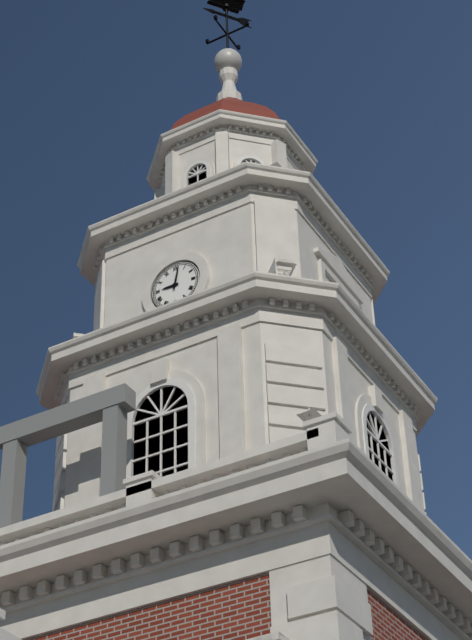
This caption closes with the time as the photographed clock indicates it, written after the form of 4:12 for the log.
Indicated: 9:02
